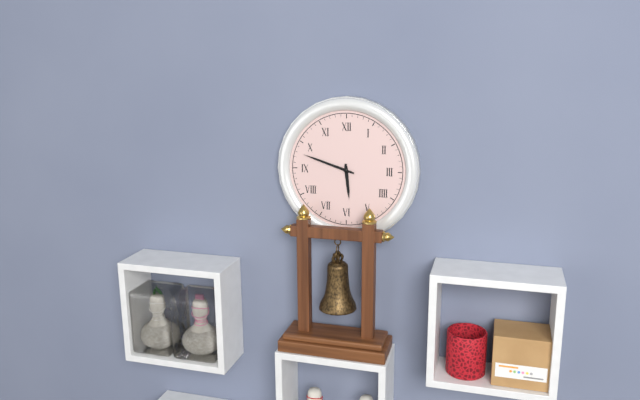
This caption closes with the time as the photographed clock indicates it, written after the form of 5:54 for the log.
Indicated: 5:48
